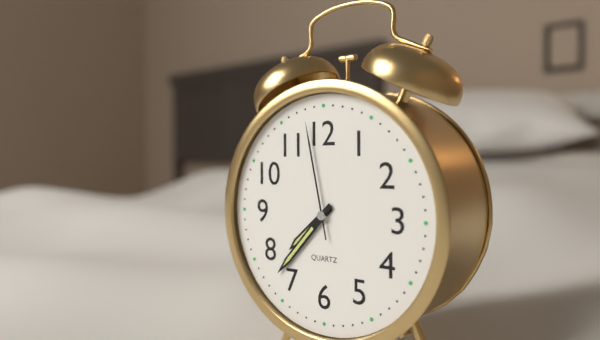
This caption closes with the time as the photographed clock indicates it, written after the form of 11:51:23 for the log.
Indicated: 7:37:58
